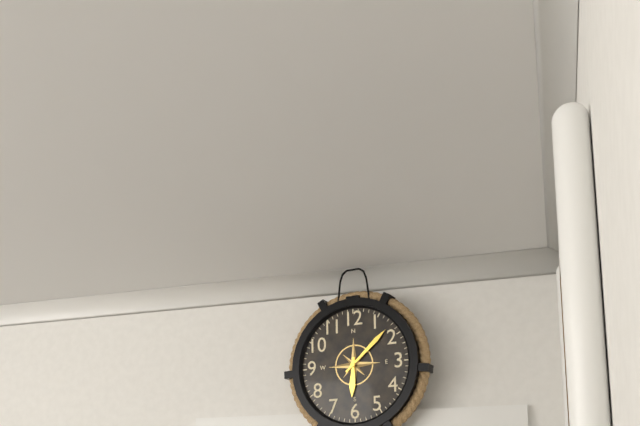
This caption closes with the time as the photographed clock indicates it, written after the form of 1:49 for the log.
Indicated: 6:08
